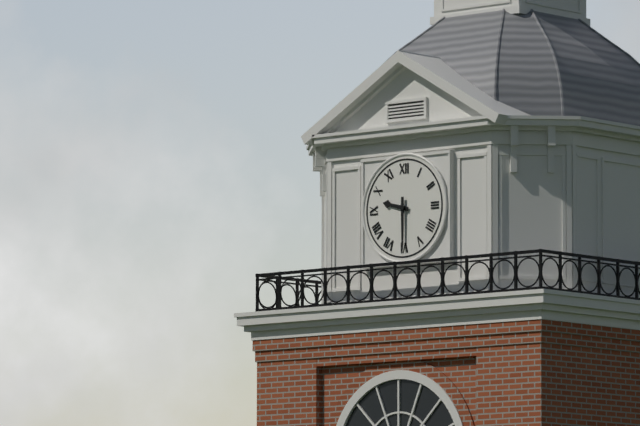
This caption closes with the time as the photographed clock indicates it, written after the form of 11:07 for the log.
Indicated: 9:30
